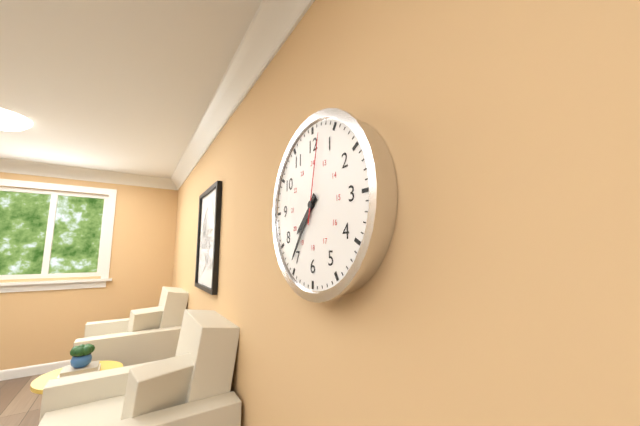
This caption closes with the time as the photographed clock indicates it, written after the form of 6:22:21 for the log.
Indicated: 7:36:02
